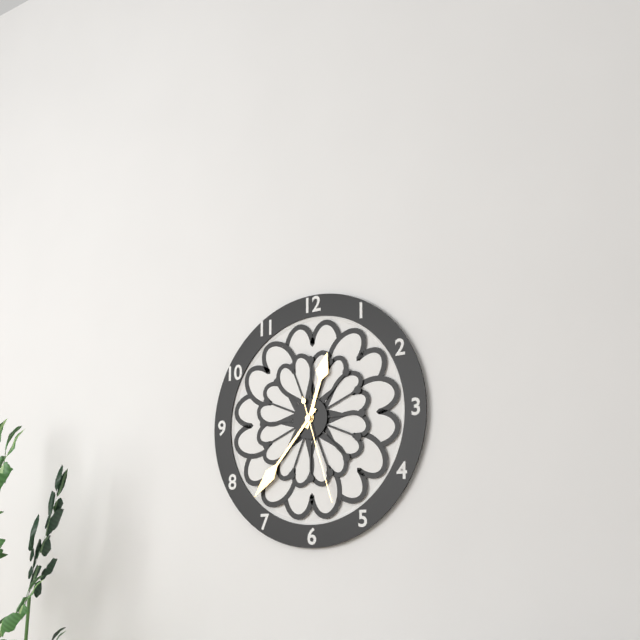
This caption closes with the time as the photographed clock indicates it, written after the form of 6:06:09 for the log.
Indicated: 12:37:27
